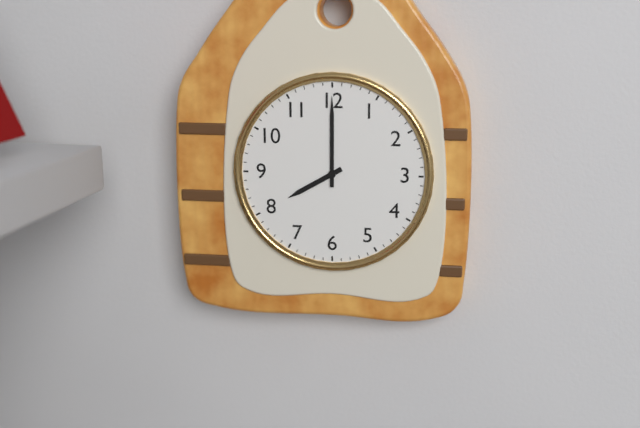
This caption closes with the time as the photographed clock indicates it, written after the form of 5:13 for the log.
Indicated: 8:00
